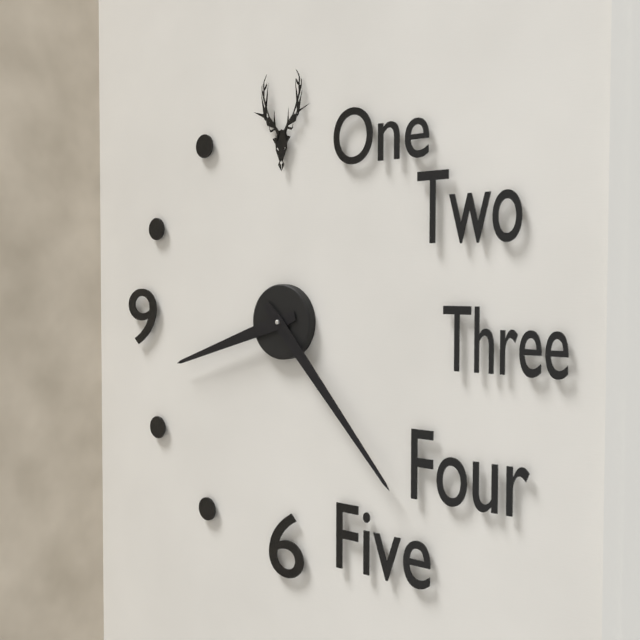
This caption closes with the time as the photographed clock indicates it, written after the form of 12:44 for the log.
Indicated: 8:23
